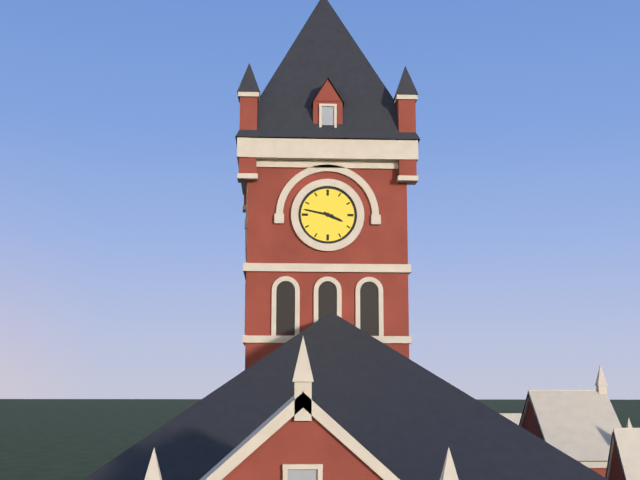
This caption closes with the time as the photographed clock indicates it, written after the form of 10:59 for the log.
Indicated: 3:47
